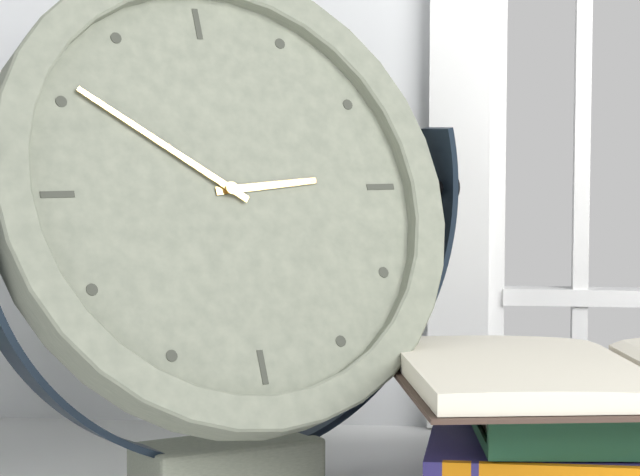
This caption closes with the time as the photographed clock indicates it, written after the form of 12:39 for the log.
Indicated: 2:51
